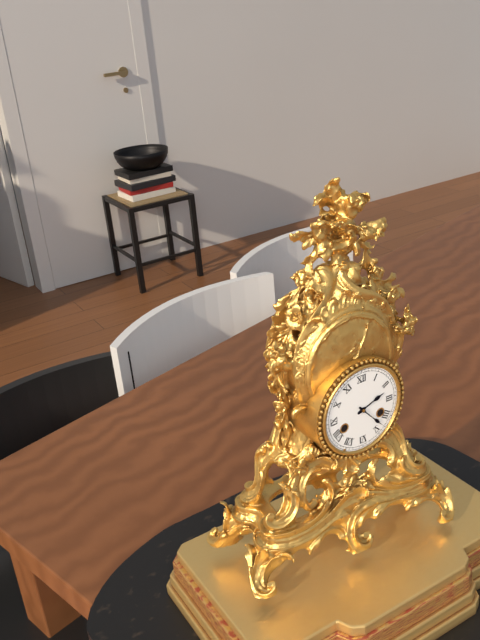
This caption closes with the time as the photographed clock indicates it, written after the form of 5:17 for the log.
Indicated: 2:23
